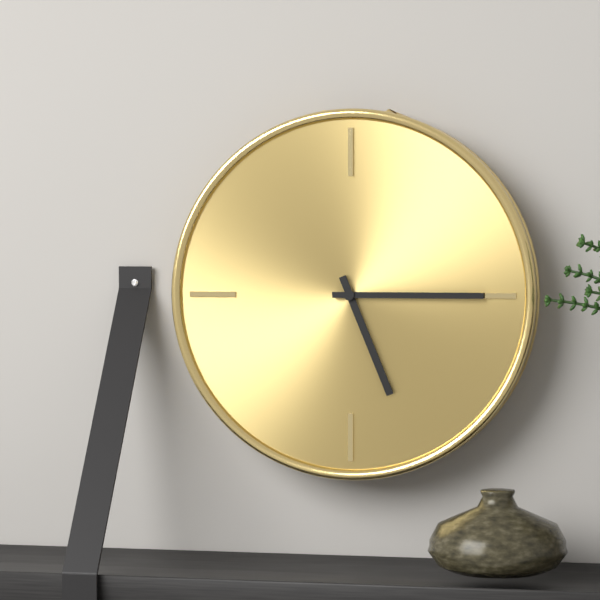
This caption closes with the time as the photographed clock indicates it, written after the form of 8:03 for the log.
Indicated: 5:15
